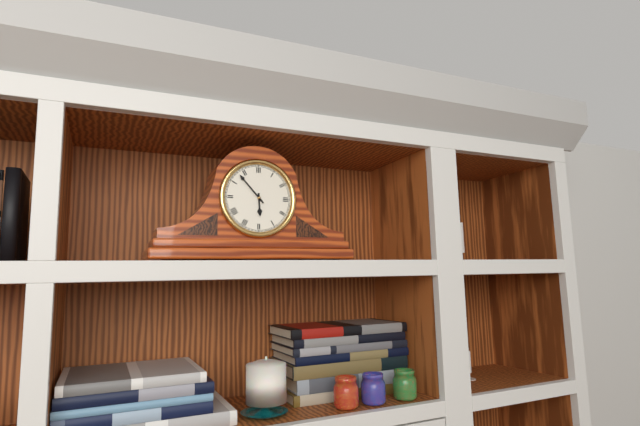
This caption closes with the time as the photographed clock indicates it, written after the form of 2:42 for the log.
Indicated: 5:53
